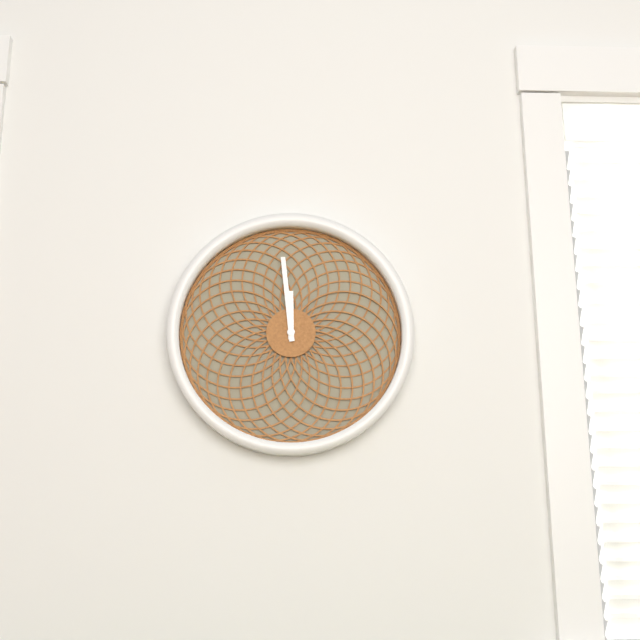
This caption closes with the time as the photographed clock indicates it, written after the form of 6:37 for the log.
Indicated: 11:59
